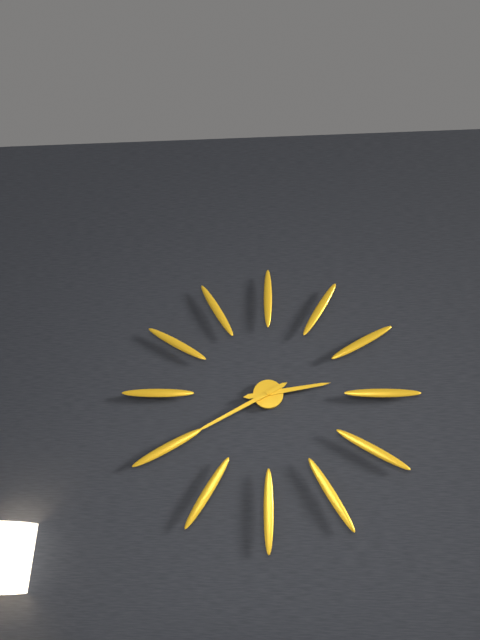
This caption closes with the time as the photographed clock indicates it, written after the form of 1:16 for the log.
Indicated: 2:40
